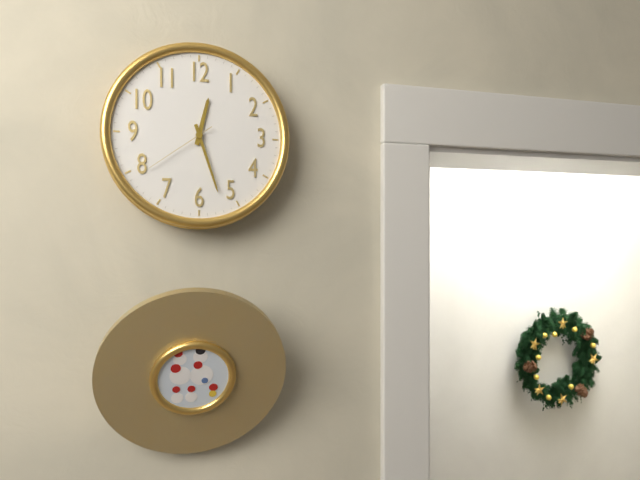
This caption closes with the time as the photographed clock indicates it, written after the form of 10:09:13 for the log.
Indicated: 12:27:39
